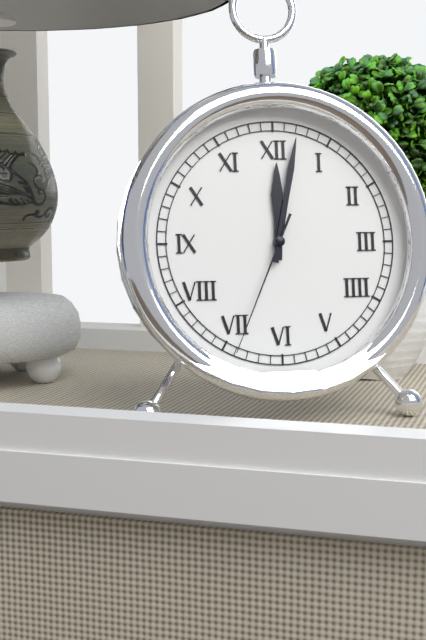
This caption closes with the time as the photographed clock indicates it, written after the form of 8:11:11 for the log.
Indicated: 12:02:34
